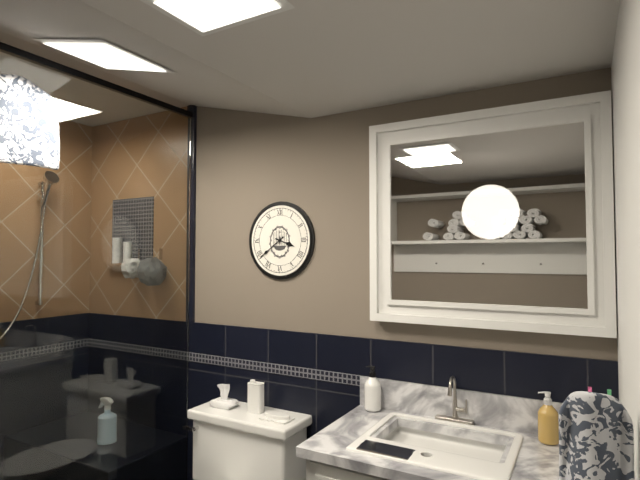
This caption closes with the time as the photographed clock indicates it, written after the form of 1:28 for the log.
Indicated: 3:39
